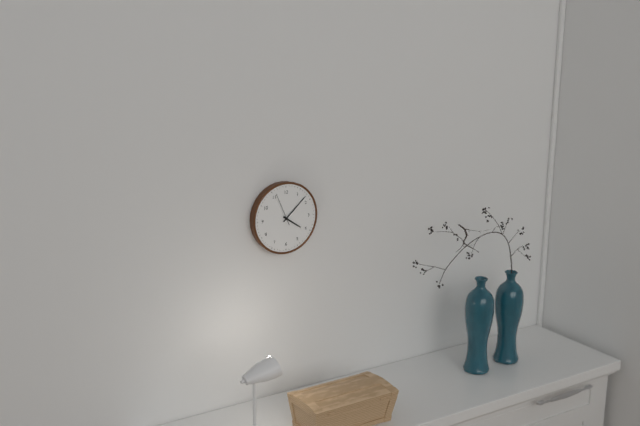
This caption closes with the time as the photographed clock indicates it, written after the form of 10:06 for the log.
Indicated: 4:08
